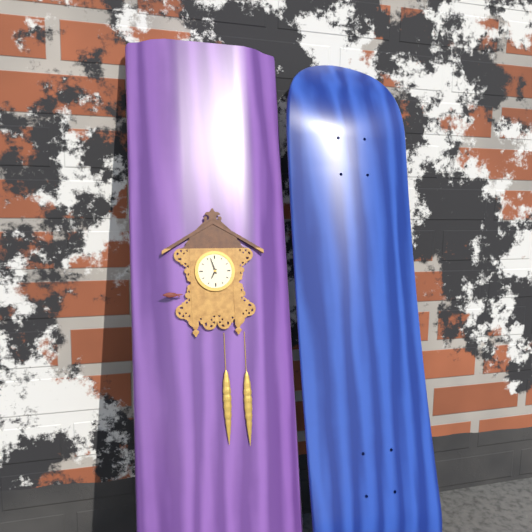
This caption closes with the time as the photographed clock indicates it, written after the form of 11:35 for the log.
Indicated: 6:57
